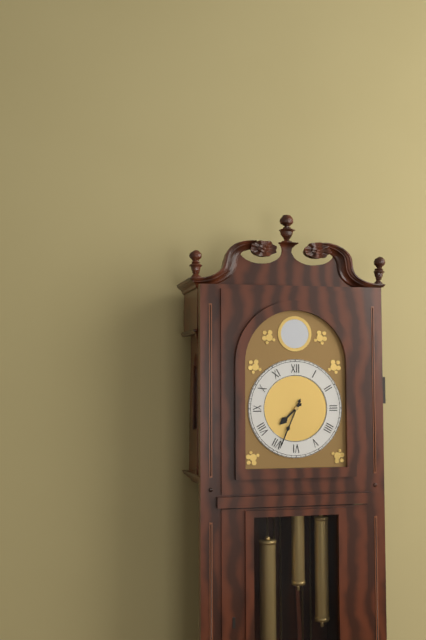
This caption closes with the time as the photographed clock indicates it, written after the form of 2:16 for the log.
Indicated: 7:34
